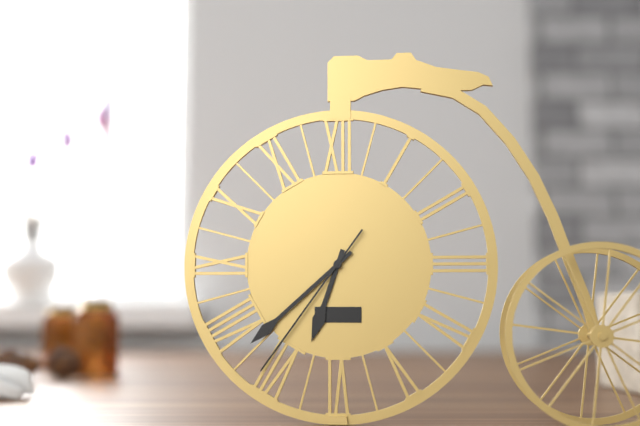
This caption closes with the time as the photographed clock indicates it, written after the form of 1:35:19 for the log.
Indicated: 6:38:36
